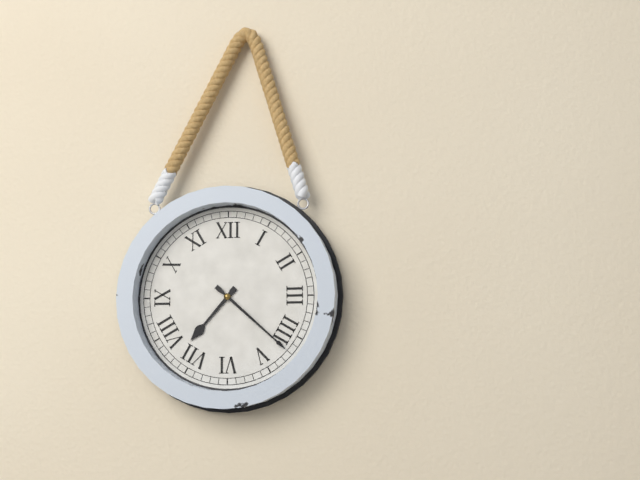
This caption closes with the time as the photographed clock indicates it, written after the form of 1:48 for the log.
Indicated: 7:22
